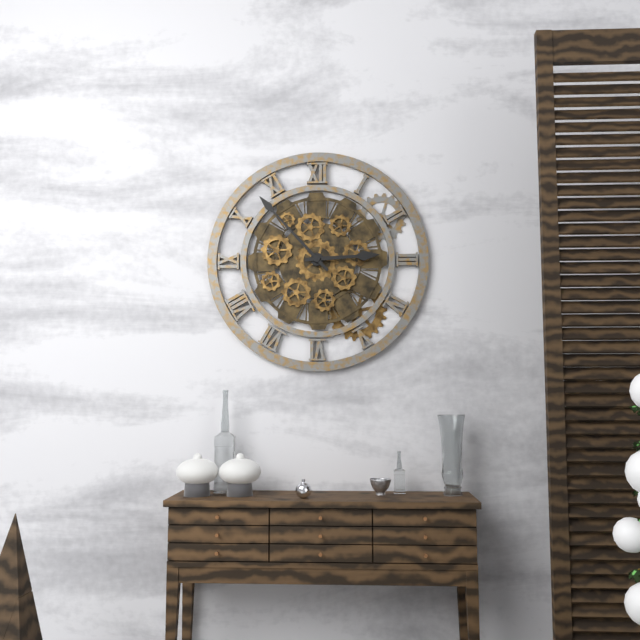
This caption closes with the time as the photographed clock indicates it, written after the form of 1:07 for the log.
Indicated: 2:53
